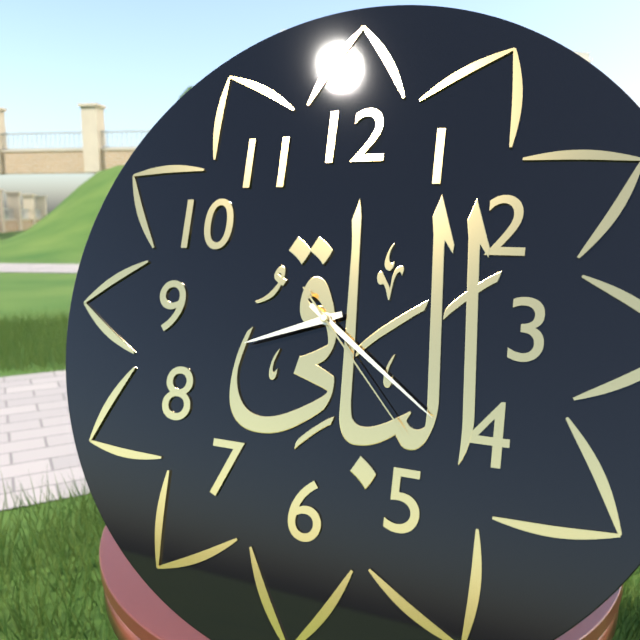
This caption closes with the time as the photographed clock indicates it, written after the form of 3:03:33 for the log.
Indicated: 8:21:23
